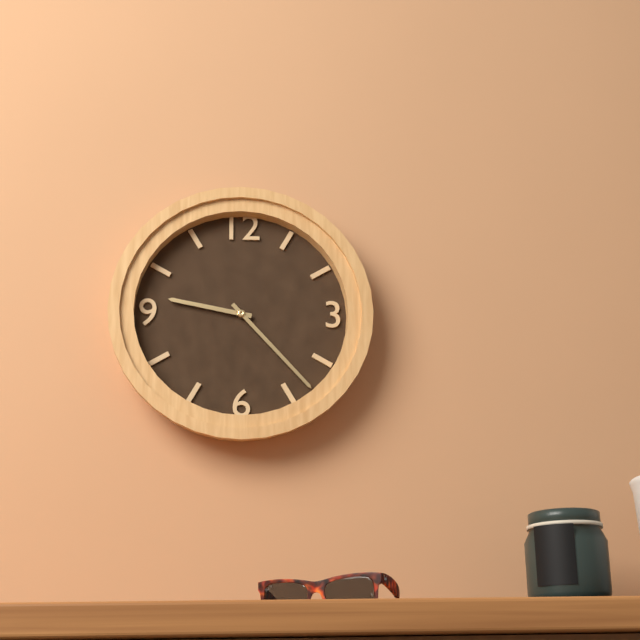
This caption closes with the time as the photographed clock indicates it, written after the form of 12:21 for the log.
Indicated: 9:23
